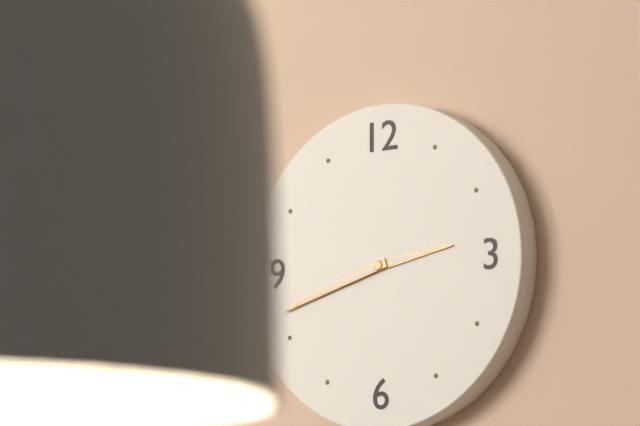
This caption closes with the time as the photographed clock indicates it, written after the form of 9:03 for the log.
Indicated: 2:42
